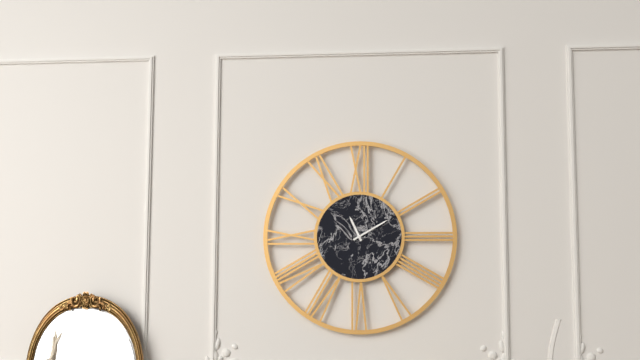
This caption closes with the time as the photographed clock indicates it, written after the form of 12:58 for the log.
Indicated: 11:10
